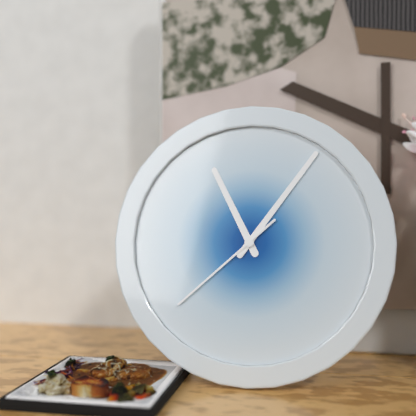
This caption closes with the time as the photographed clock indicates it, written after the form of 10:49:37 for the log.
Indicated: 11:06:38
